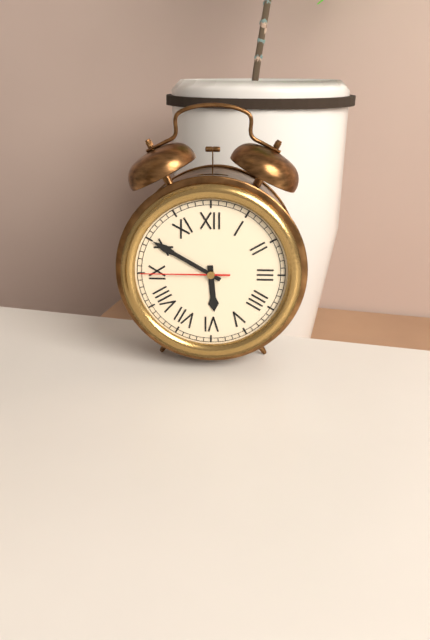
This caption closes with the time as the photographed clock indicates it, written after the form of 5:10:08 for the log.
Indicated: 5:50:45
